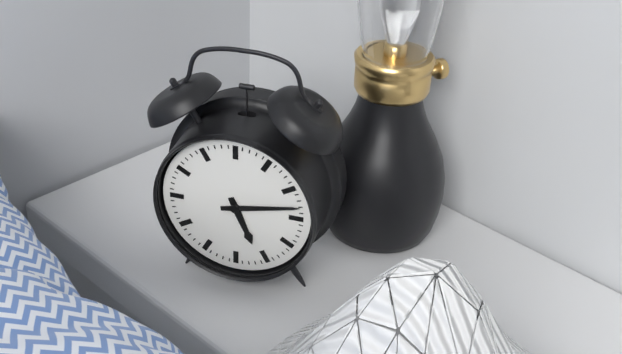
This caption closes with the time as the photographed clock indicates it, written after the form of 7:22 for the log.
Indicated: 5:13
